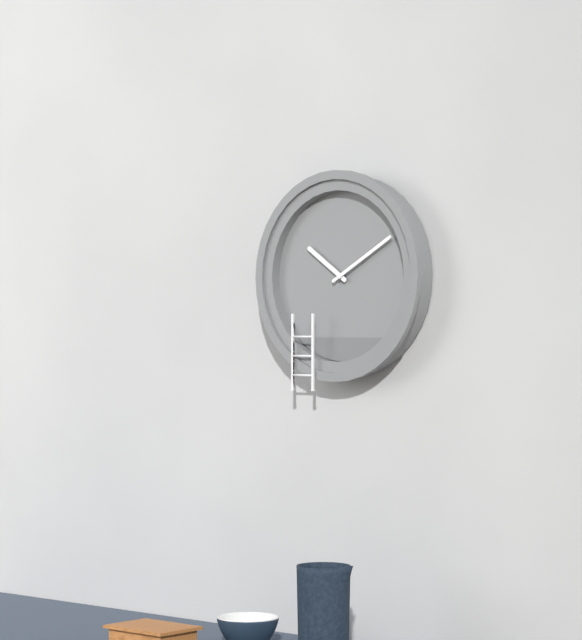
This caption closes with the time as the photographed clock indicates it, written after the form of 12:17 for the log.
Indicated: 10:10
